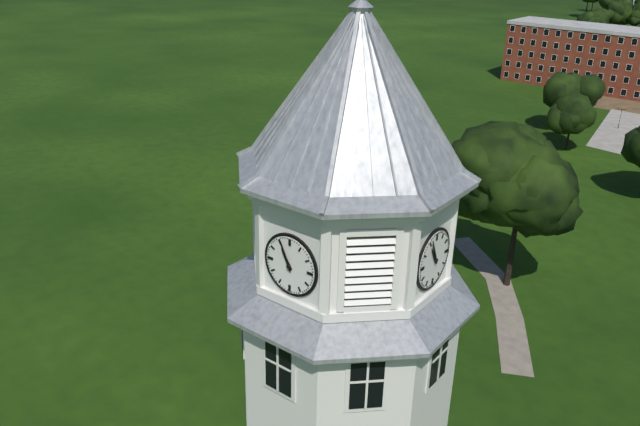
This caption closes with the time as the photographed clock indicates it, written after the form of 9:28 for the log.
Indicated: 10:56
